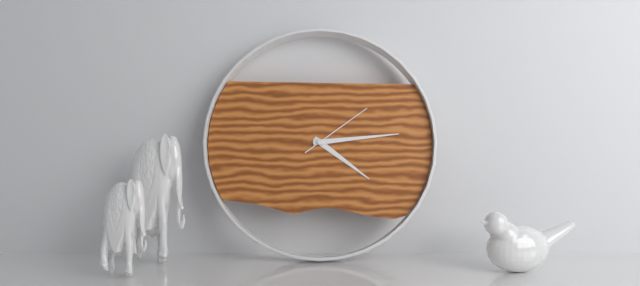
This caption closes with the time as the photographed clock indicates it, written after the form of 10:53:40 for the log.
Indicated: 4:14:09
